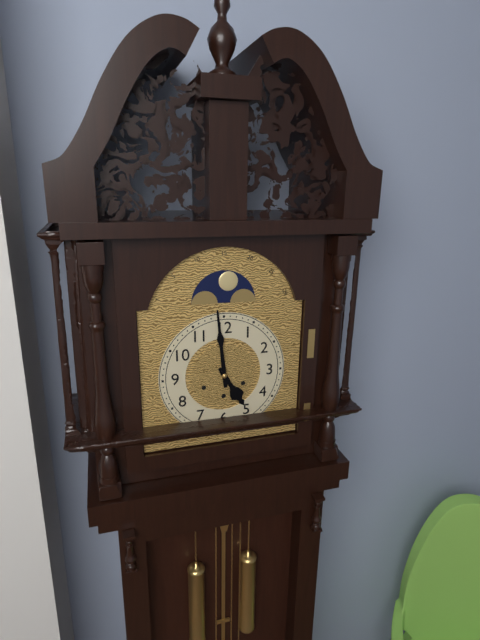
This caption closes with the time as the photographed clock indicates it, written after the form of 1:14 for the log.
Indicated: 4:59
